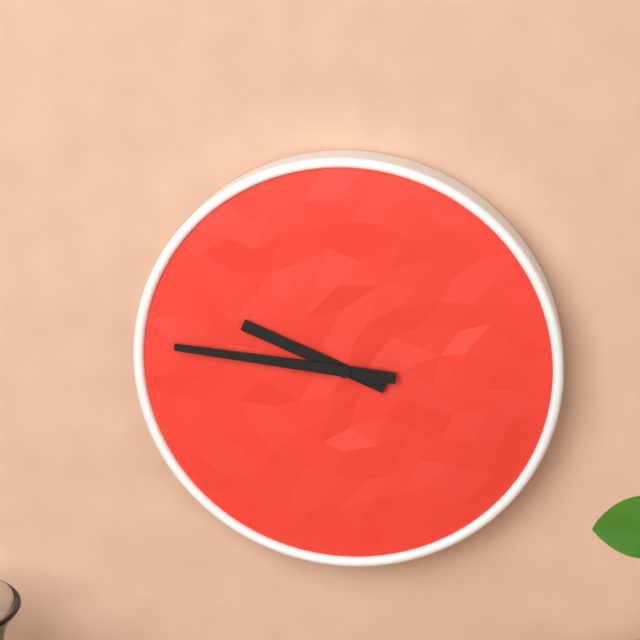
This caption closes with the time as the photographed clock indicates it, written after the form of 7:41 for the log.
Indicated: 9:46
